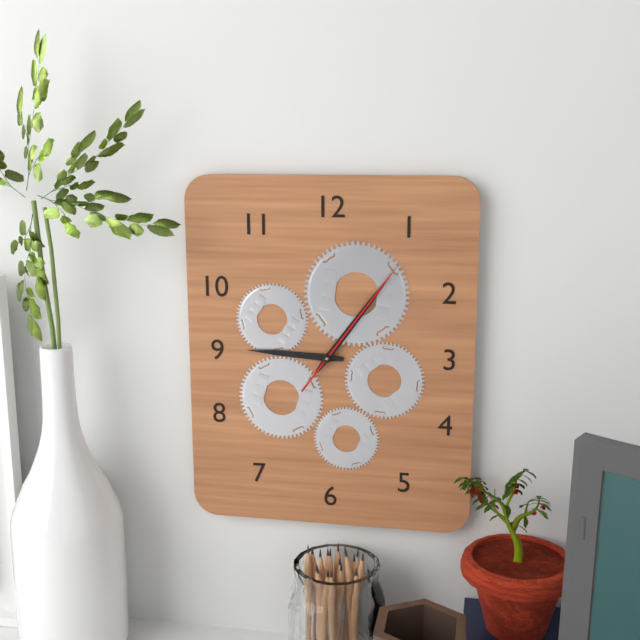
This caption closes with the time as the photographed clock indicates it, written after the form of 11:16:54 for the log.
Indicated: 9:06:06
